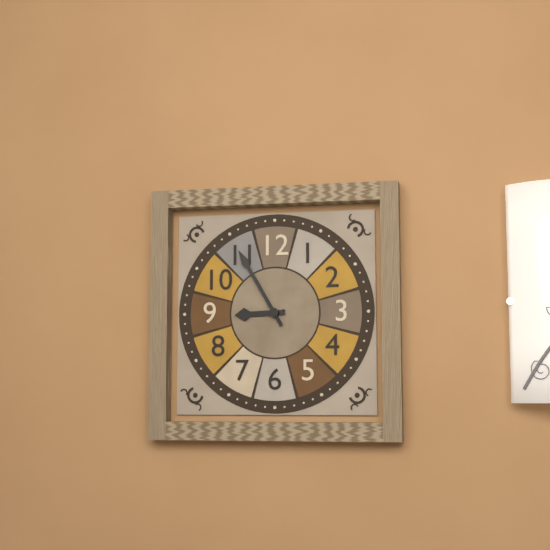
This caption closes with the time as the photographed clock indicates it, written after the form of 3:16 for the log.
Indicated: 8:55
